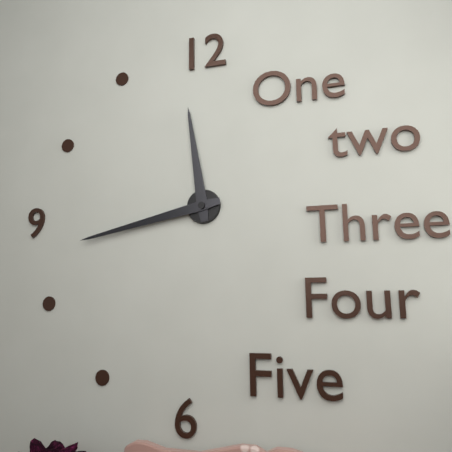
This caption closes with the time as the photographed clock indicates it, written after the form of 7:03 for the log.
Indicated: 11:43
